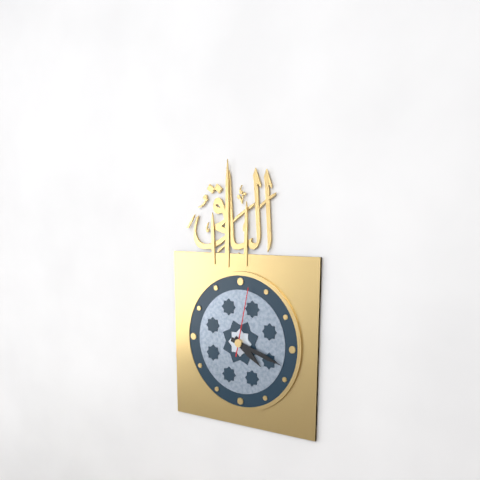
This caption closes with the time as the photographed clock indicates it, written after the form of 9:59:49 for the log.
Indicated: 4:18:02
